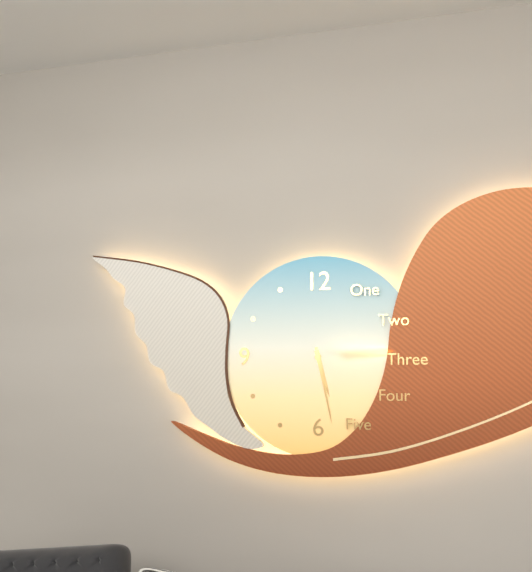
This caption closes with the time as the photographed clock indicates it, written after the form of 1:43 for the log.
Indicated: 5:28
